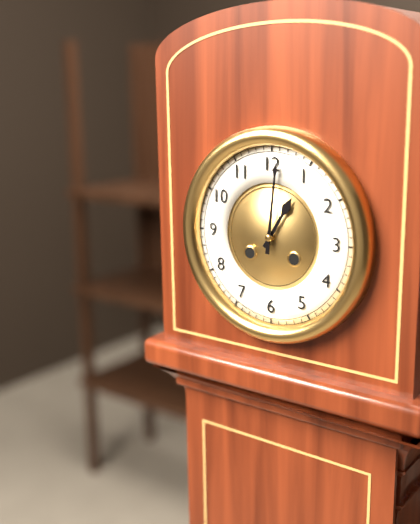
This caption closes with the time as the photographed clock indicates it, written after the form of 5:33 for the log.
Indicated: 1:01
